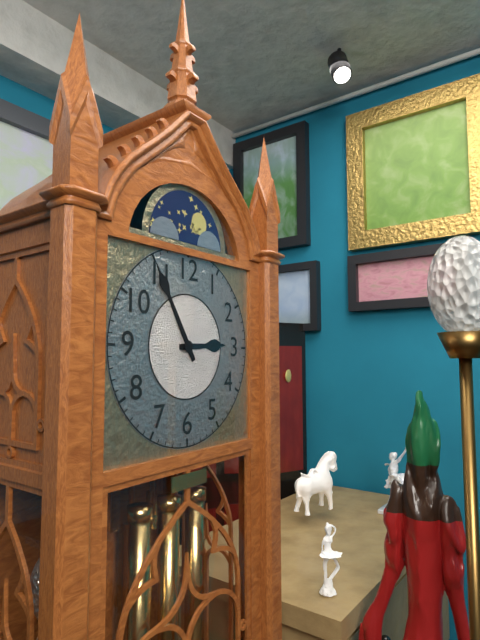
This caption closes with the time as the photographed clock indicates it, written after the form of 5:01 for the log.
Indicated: 2:55
